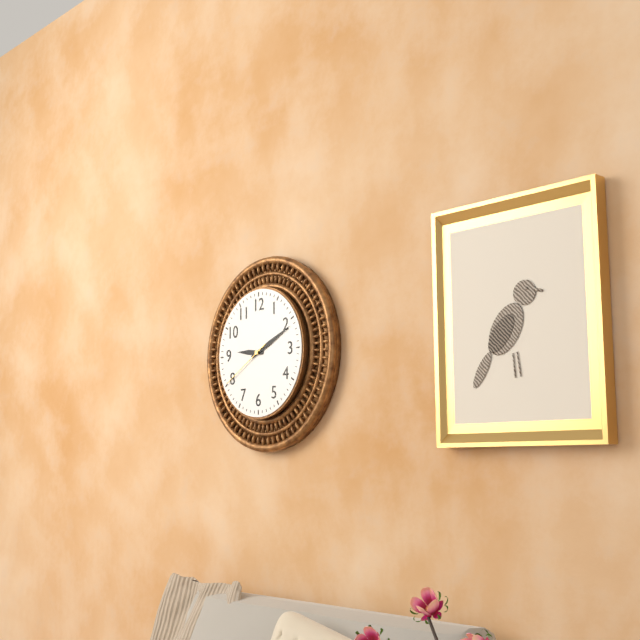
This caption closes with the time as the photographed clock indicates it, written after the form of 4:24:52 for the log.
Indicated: 9:11:40
